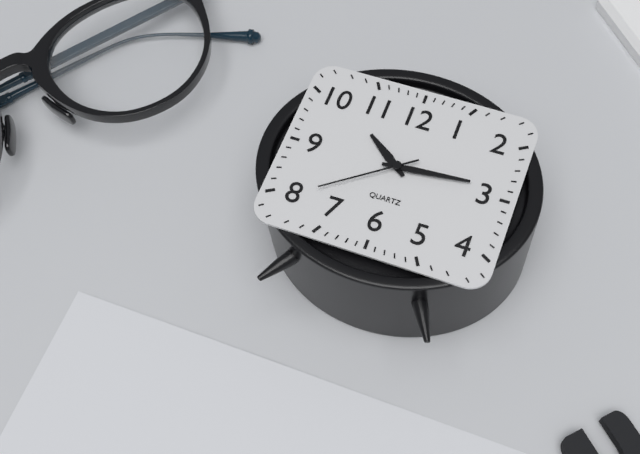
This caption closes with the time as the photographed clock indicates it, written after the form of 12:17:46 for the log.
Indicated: 10:14:39
